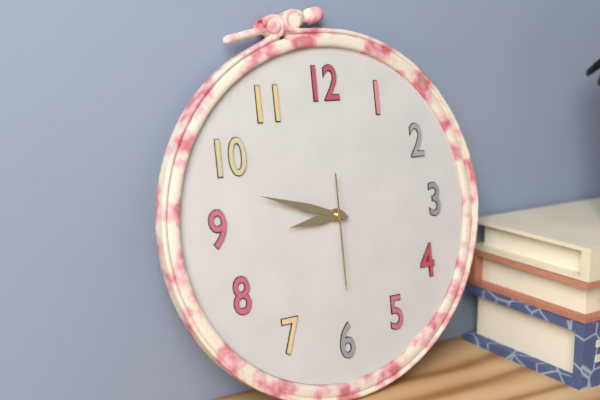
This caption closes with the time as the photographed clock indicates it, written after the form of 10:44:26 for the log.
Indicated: 8:48:30
